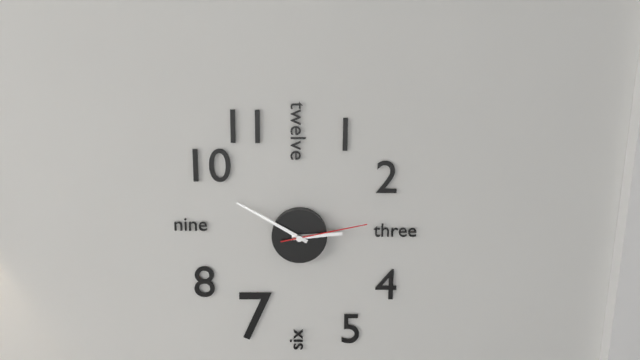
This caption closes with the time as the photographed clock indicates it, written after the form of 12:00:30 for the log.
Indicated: 2:50:13
